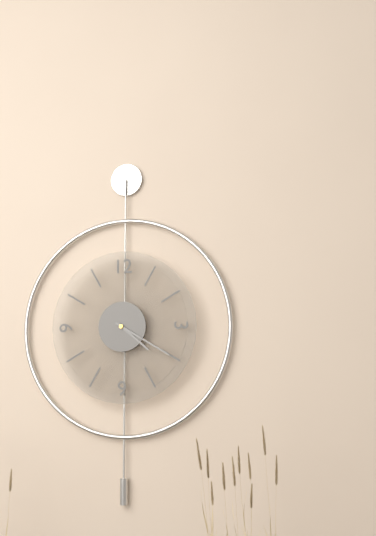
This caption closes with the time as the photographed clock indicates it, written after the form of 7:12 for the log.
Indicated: 4:20
